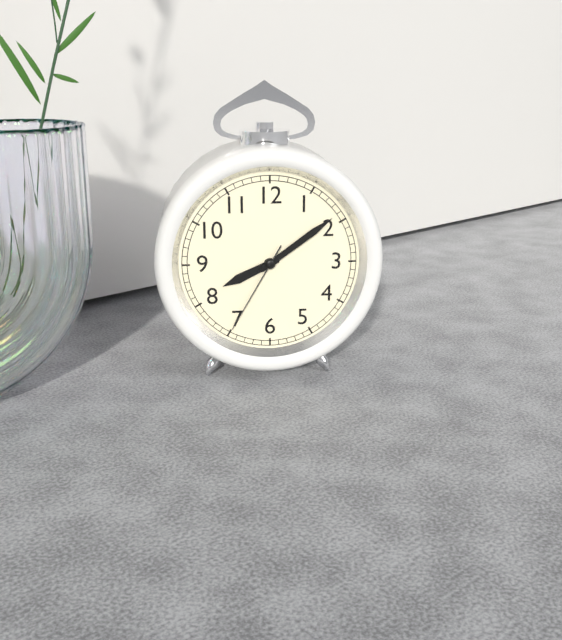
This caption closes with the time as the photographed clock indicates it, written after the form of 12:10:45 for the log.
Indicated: 8:09:35
